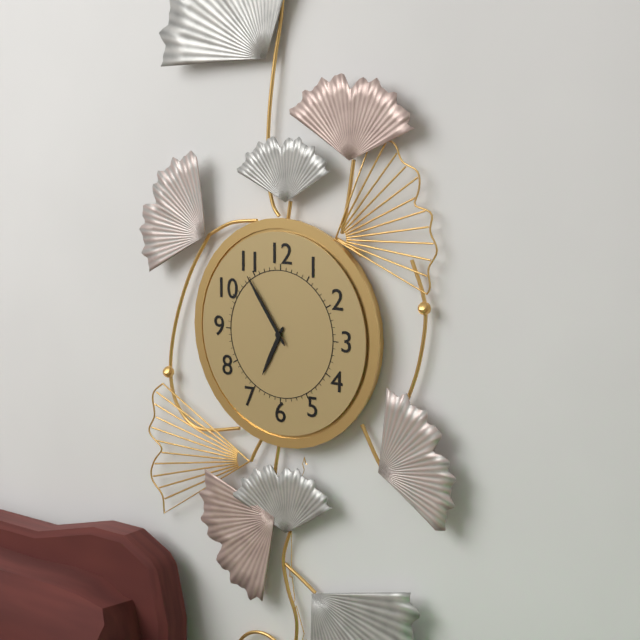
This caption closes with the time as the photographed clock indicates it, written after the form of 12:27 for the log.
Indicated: 6:54
